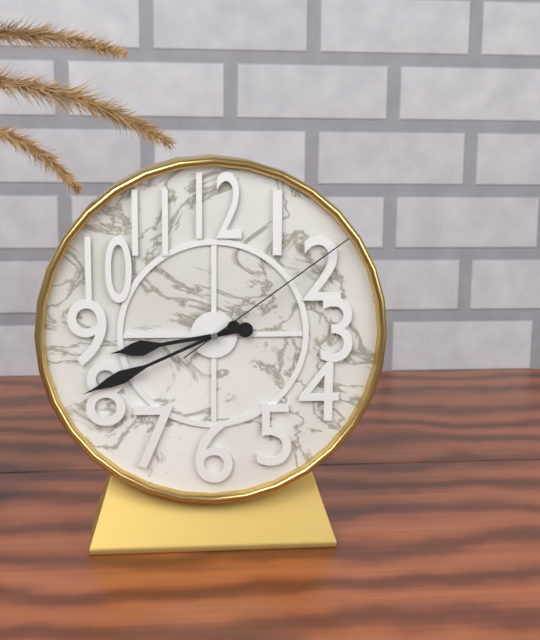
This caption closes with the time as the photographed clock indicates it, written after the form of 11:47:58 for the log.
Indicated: 8:41:09
